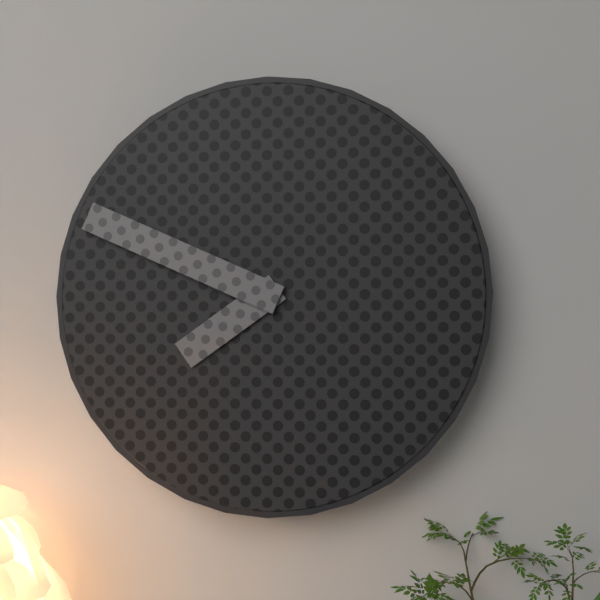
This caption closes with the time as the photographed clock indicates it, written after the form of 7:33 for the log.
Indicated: 7:49
